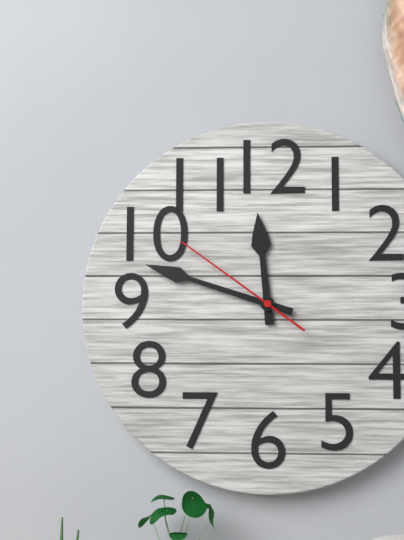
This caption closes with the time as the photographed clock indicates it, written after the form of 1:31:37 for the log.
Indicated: 11:48:51
